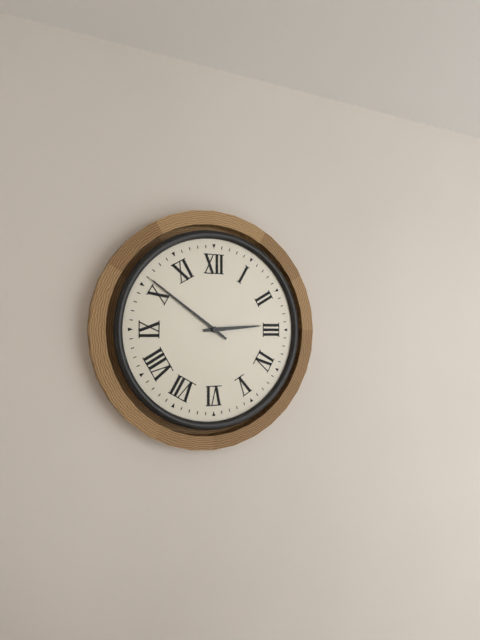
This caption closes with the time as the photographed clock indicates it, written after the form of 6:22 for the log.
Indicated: 2:51
